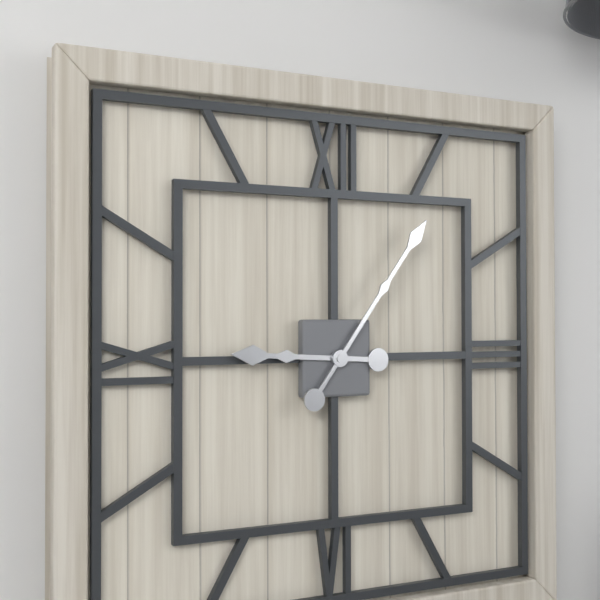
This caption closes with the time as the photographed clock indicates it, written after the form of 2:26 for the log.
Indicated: 9:06
